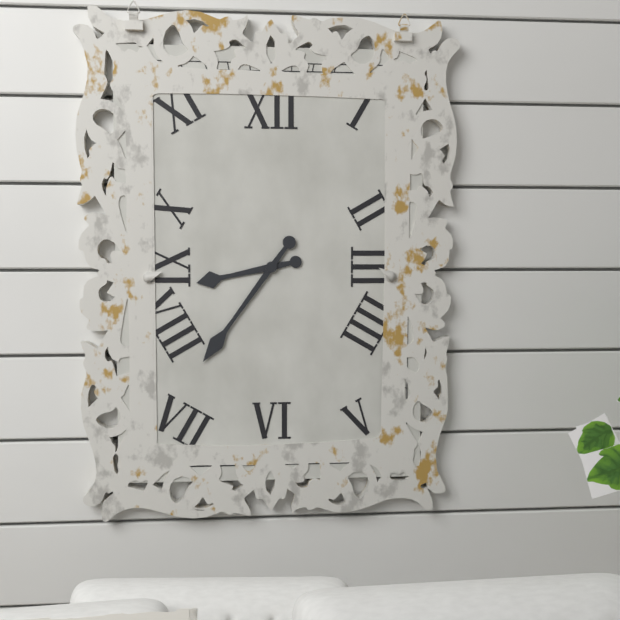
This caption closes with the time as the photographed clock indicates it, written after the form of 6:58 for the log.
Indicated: 8:36
